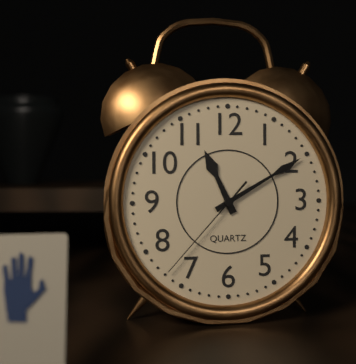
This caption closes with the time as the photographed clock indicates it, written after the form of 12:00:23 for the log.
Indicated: 11:10:37
